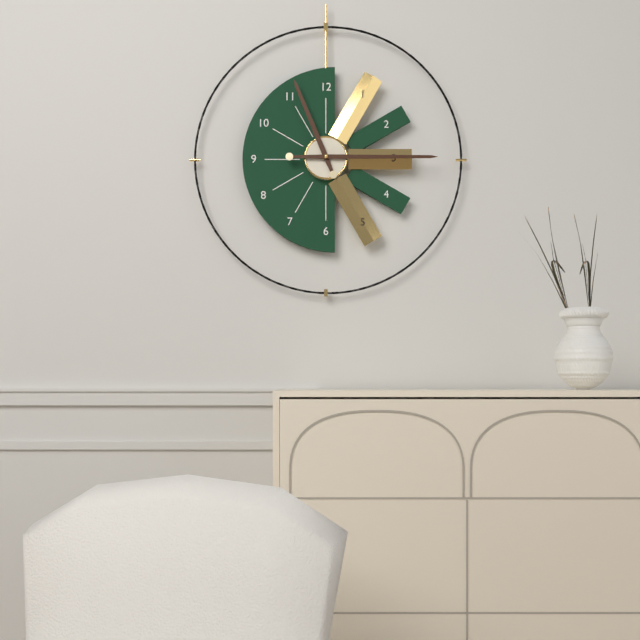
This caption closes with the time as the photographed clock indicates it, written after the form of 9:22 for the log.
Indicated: 11:15
